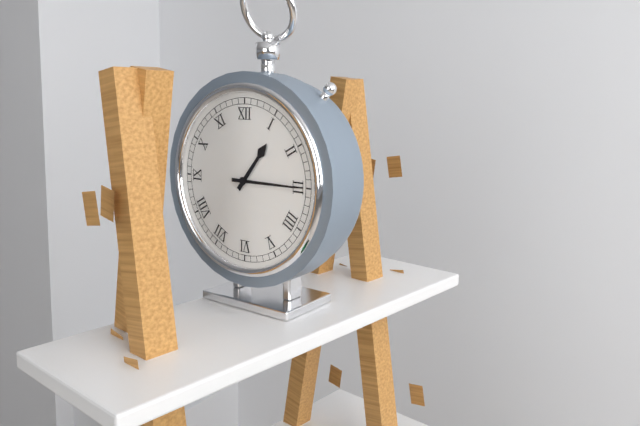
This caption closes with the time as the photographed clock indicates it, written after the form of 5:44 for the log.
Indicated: 1:15
